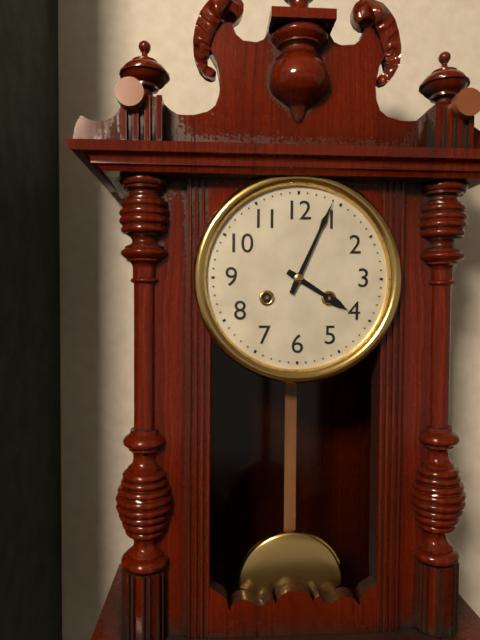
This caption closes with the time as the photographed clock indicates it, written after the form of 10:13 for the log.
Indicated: 4:04
